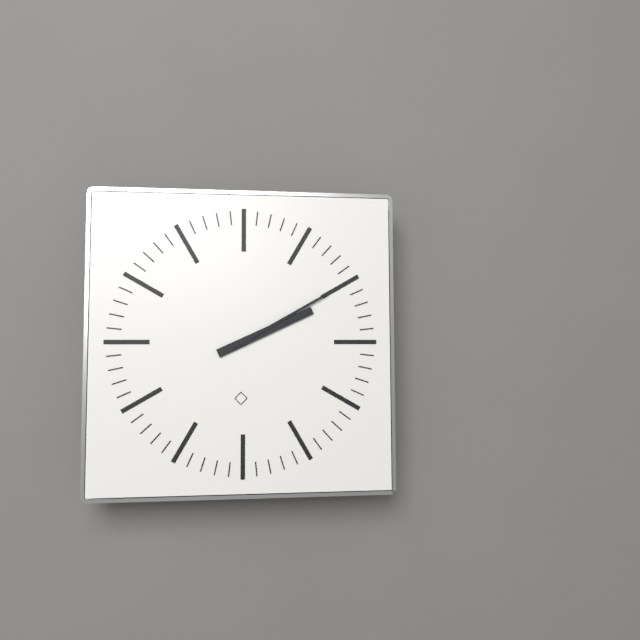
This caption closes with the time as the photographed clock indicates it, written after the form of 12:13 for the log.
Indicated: 2:10
